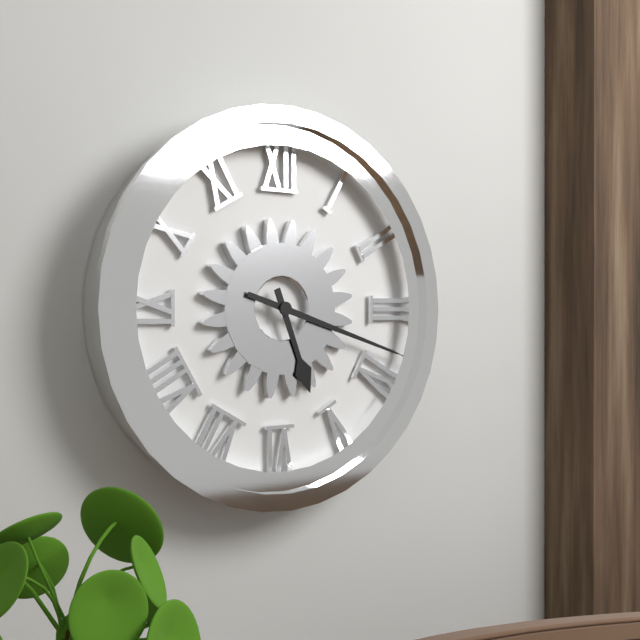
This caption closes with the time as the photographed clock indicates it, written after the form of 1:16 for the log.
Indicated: 5:18
